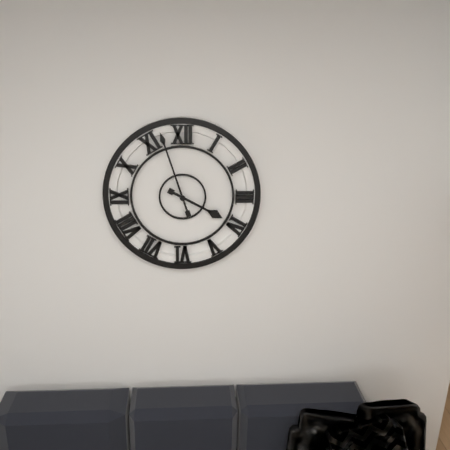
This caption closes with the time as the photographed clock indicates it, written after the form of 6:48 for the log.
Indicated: 3:57
